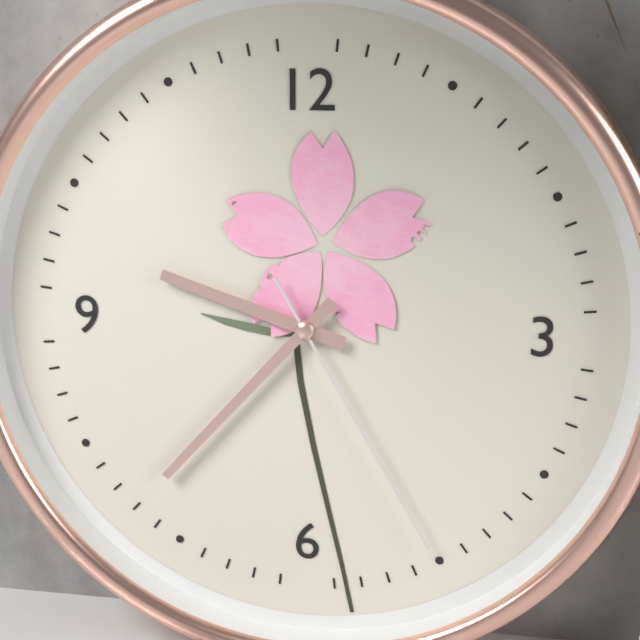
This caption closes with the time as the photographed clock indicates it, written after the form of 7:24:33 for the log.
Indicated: 9:37:25
